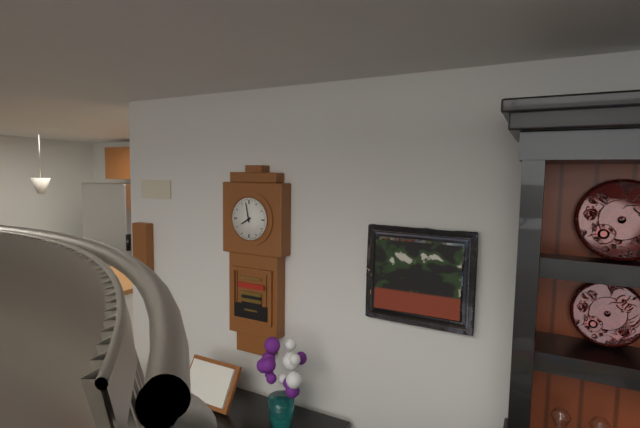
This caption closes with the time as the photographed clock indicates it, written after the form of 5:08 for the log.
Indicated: 7:58
